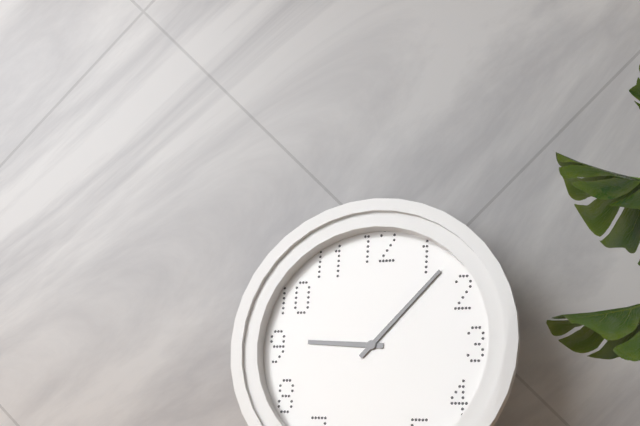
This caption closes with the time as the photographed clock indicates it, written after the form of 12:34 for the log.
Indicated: 9:07
